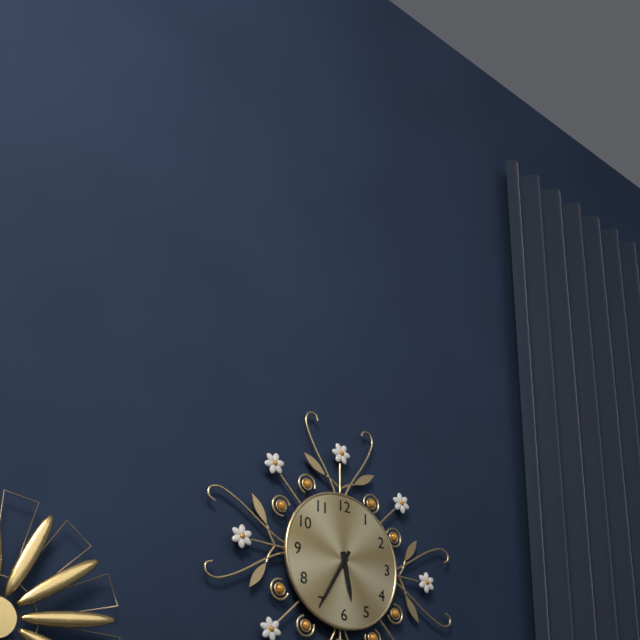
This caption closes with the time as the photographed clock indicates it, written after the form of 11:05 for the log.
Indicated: 5:35
